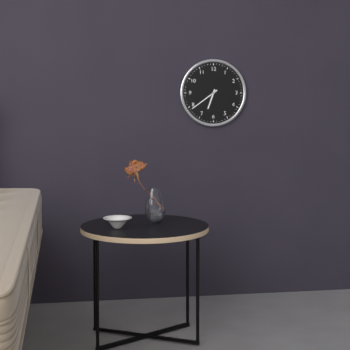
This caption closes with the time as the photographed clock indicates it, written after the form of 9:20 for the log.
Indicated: 6:39
